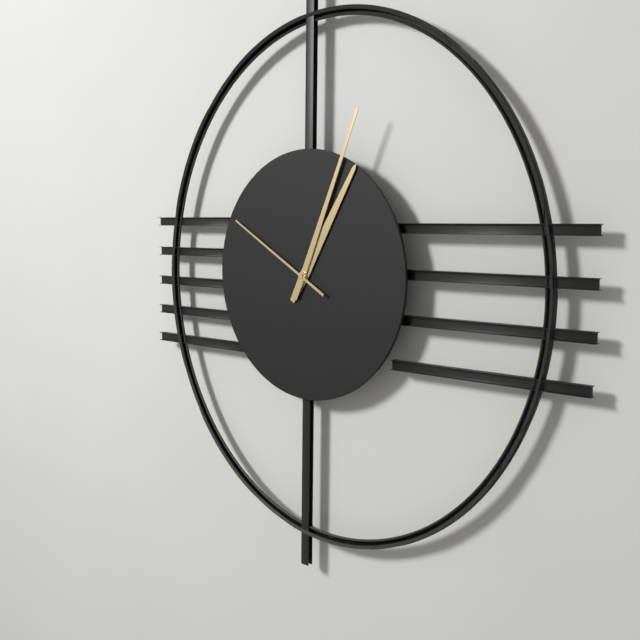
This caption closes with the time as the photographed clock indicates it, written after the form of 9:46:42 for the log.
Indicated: 1:04:50
